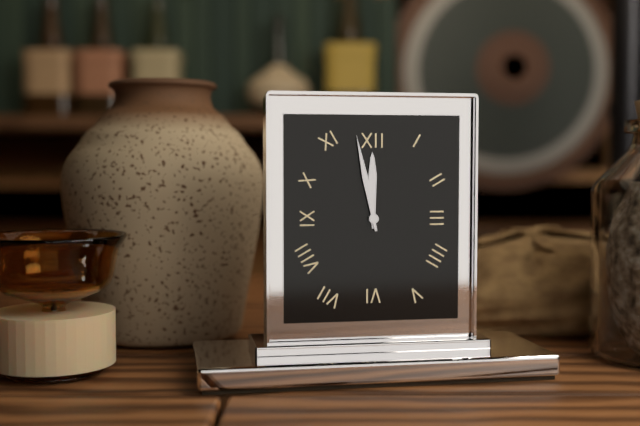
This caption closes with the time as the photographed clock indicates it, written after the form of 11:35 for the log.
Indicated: 11:58
